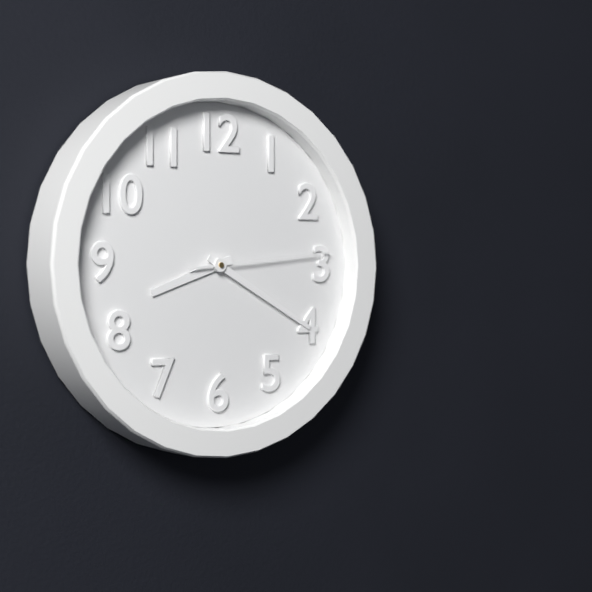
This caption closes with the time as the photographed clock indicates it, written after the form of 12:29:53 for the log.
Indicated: 8:20:14
